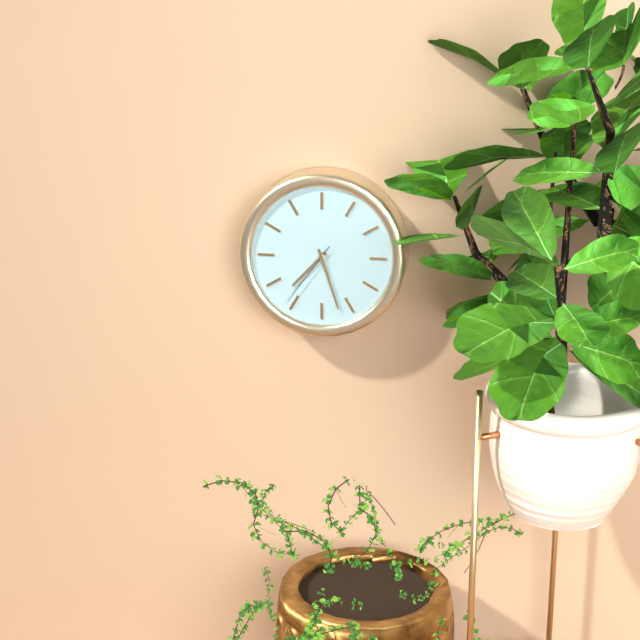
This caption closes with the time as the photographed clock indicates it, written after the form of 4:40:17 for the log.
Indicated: 7:27:36
